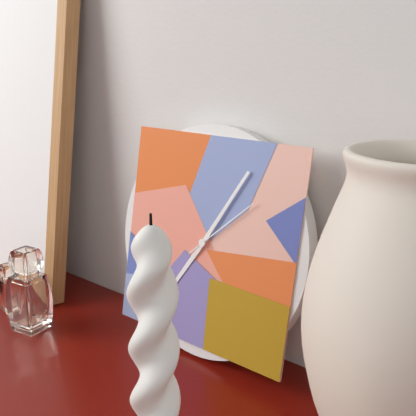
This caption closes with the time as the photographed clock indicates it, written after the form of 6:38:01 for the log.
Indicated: 7:05:08
